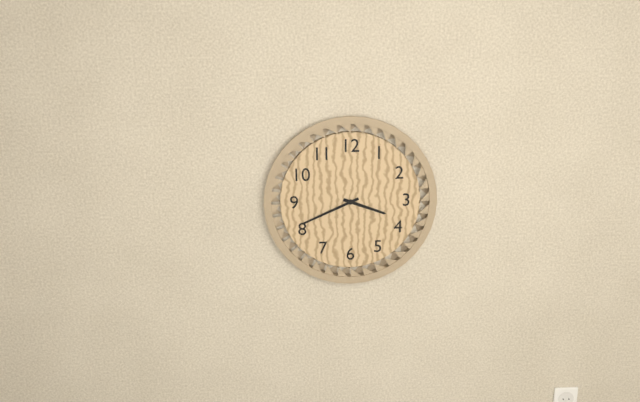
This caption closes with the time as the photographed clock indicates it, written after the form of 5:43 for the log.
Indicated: 3:41
